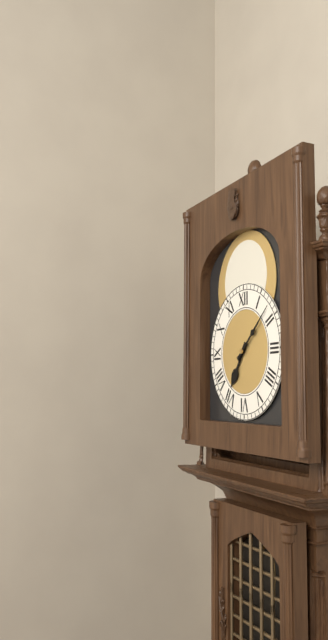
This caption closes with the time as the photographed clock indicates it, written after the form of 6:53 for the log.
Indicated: 7:08
